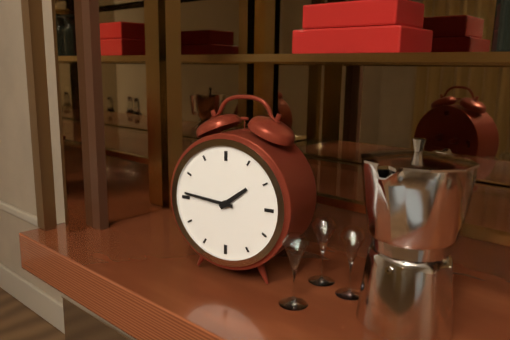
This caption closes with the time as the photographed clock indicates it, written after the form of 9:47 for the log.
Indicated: 1:46
